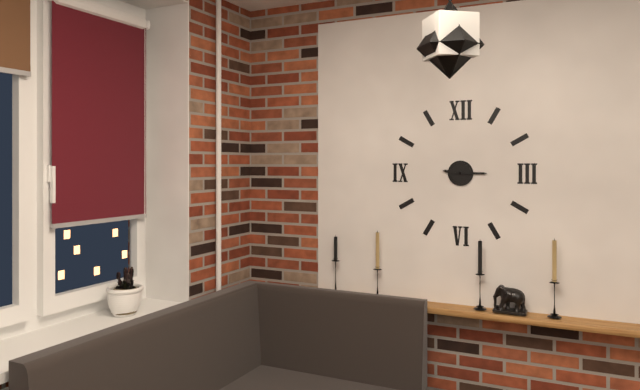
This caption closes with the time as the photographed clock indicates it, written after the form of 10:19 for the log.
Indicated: 9:15
